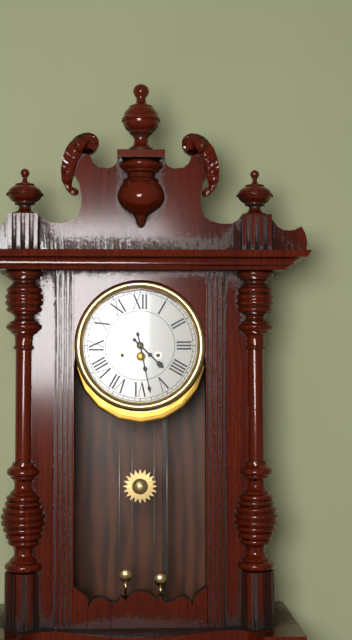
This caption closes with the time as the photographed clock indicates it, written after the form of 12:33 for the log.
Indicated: 4:28
